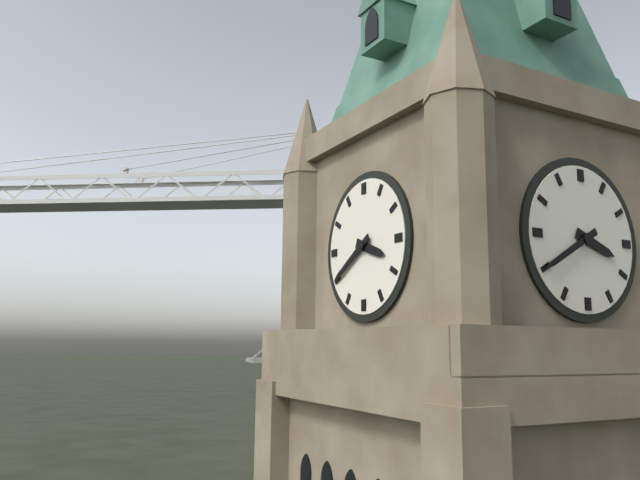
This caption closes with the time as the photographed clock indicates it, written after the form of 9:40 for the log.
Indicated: 3:40
